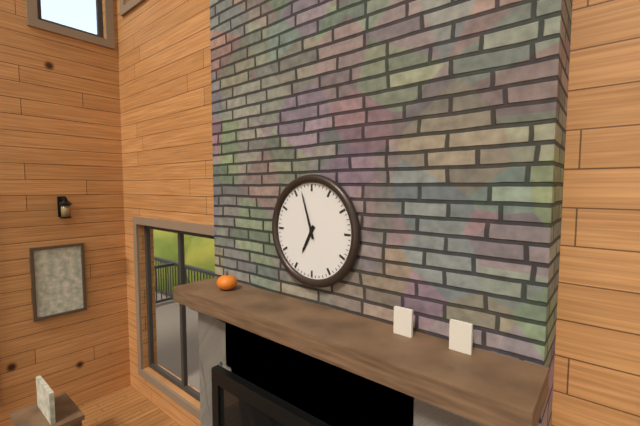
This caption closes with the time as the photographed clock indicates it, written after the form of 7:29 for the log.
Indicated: 6:57
